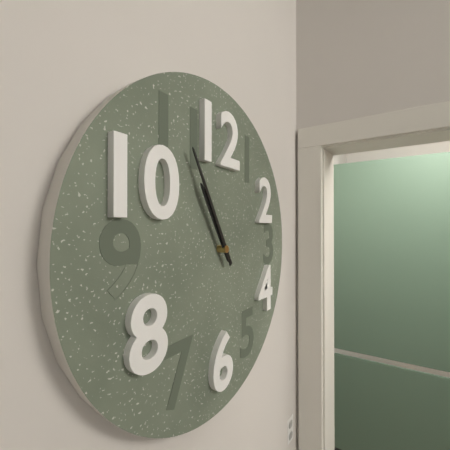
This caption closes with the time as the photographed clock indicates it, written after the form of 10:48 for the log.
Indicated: 10:55
